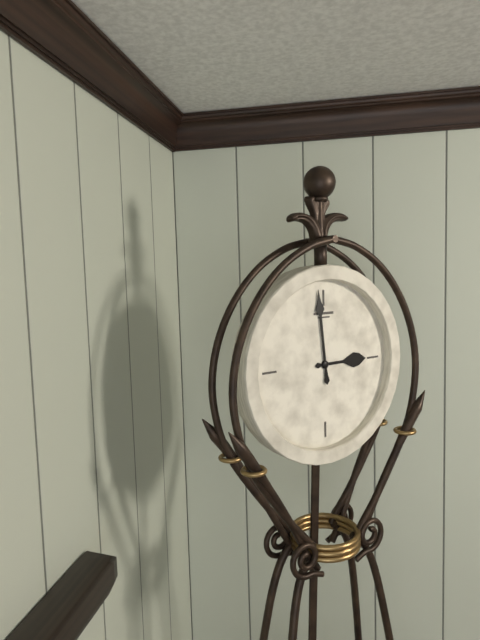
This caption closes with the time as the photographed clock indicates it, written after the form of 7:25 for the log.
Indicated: 2:59
